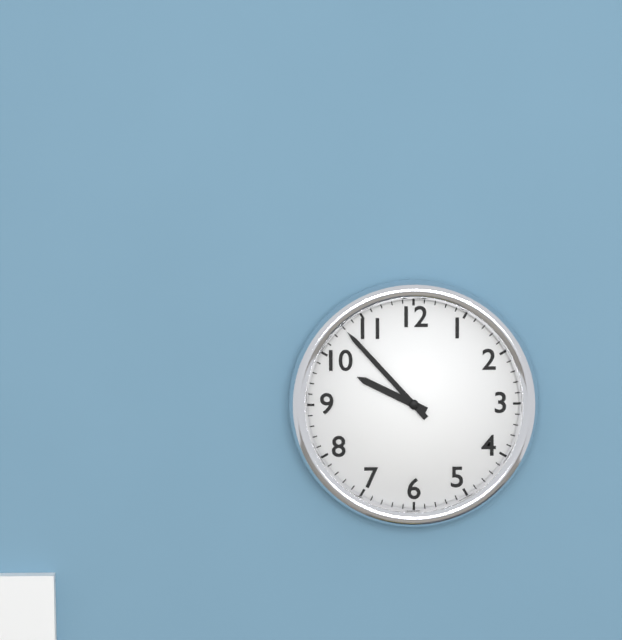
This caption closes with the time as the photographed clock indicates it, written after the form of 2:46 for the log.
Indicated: 9:53
